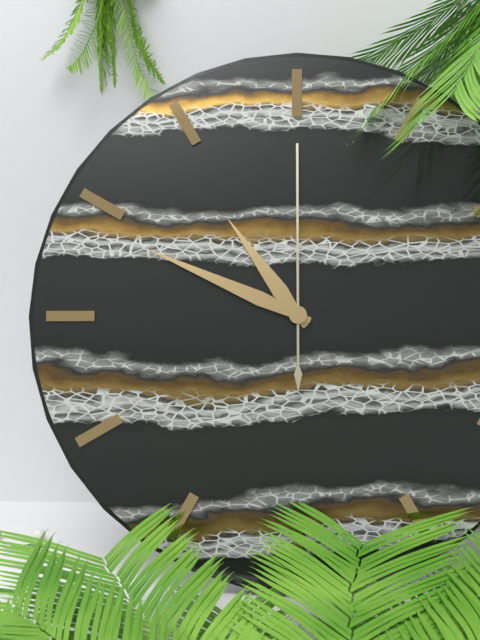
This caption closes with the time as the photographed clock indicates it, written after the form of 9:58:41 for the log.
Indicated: 10:49:00
